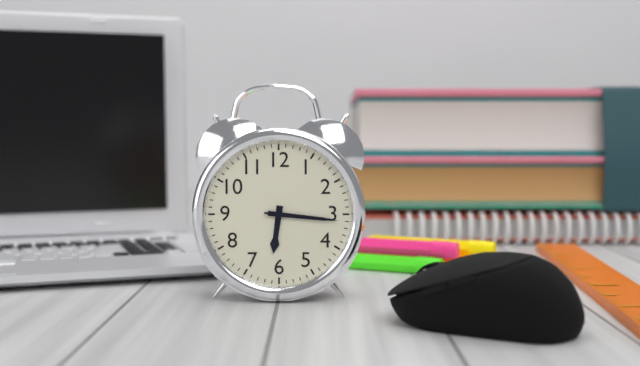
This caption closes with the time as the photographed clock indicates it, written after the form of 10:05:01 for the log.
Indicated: 6:16:16
